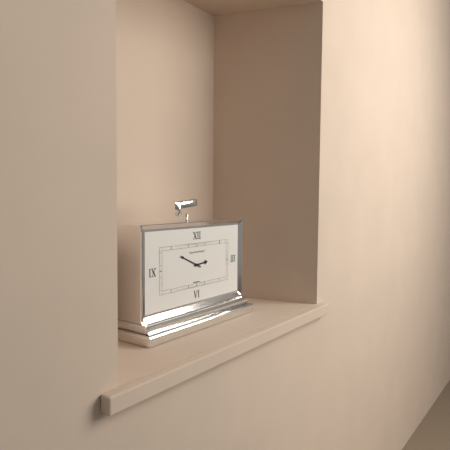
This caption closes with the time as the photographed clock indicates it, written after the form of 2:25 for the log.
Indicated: 2:49
